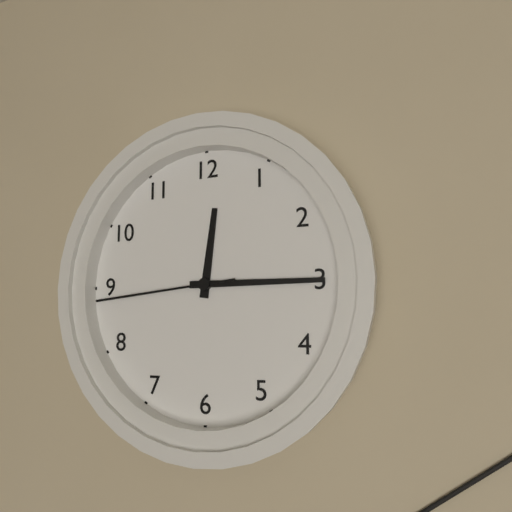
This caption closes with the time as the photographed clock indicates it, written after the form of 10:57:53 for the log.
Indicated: 12:15:44
